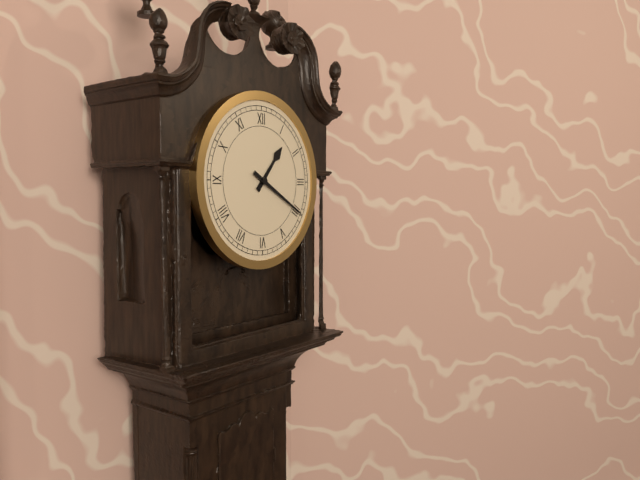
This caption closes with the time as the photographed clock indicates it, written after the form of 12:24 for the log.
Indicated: 1:20
